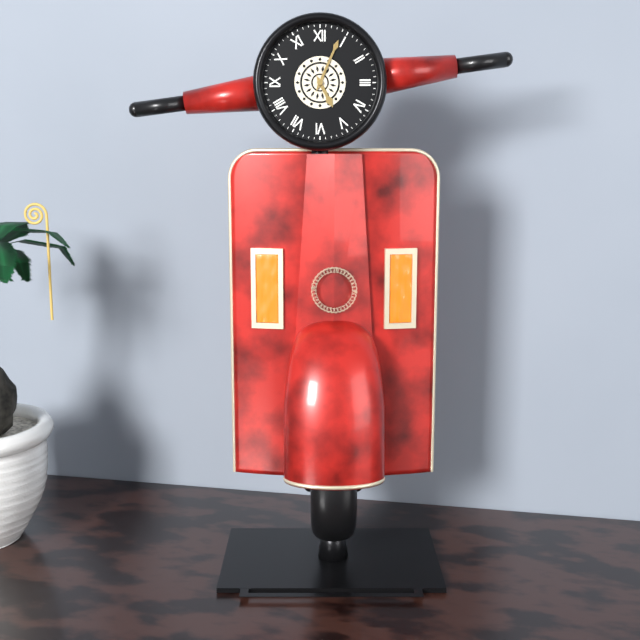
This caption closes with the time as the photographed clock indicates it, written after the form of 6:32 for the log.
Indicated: 5:04
